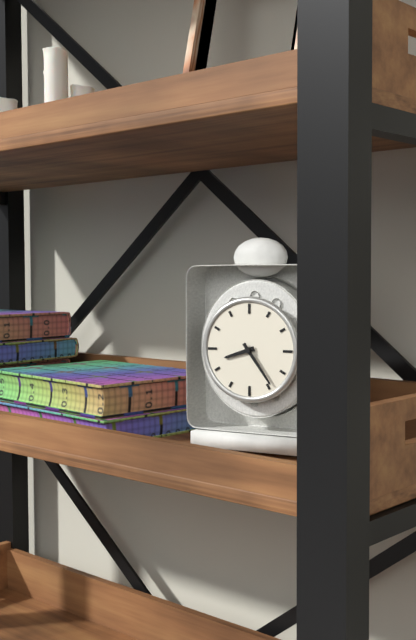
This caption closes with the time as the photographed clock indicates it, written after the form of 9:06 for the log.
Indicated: 8:24
